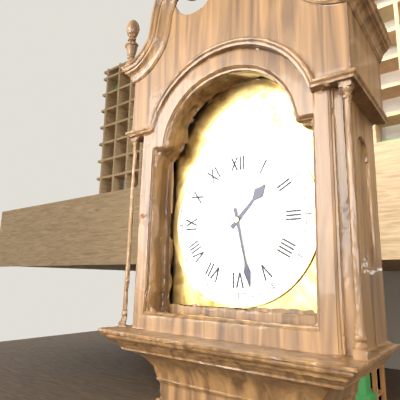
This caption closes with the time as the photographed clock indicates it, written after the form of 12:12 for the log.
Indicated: 1:28
